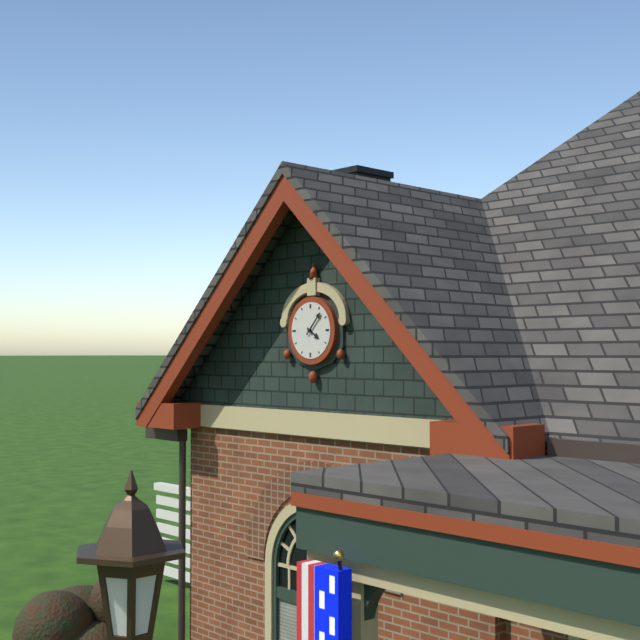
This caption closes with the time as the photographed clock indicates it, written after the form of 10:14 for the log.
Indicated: 4:07
